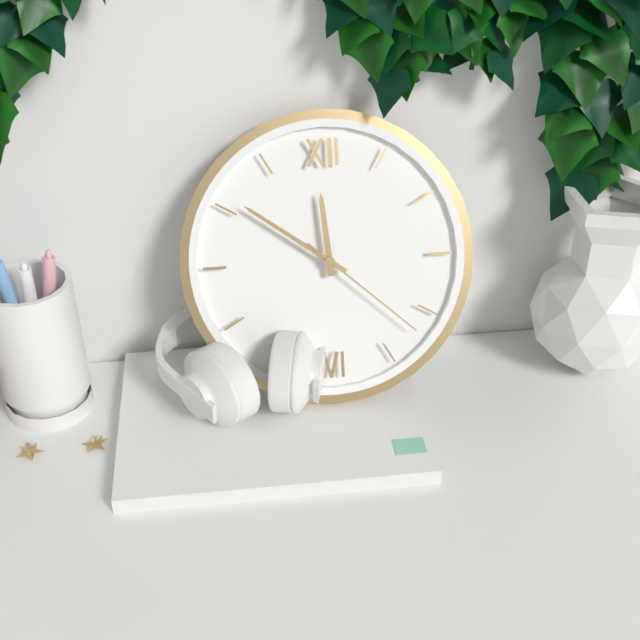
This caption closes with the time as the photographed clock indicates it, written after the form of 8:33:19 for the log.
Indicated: 11:51:22
